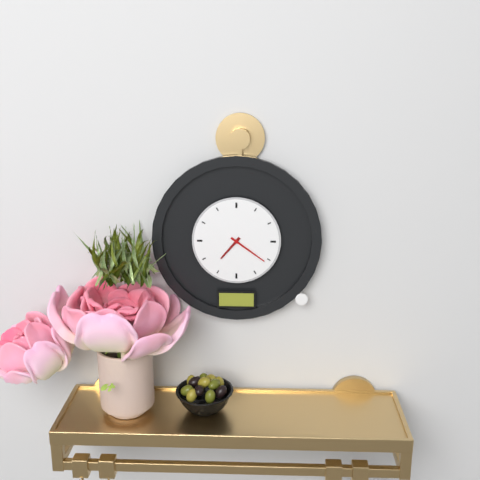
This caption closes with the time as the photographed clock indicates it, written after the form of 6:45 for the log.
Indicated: 7:21
